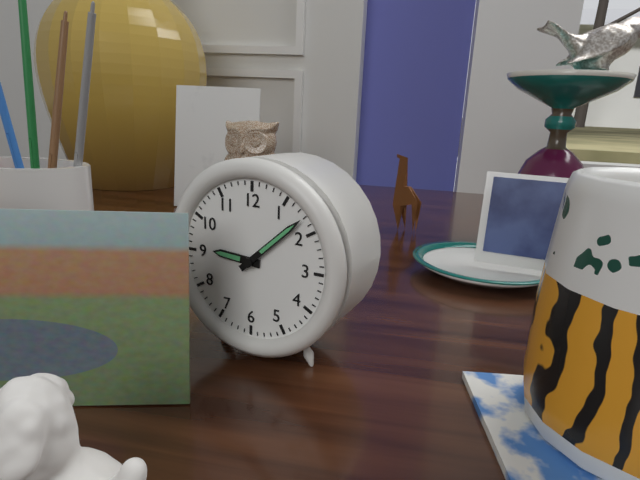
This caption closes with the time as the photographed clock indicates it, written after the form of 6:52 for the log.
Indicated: 9:08
